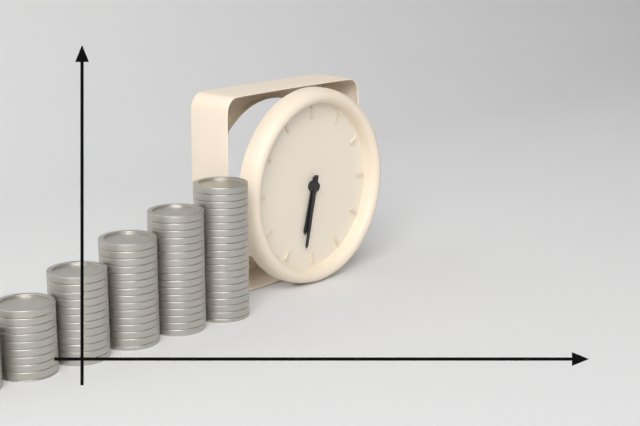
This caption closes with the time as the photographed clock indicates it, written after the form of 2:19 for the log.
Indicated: 6:32
